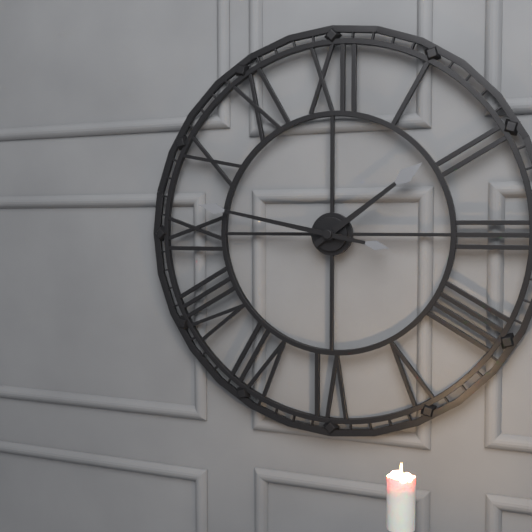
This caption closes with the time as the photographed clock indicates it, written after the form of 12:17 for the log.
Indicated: 1:47
